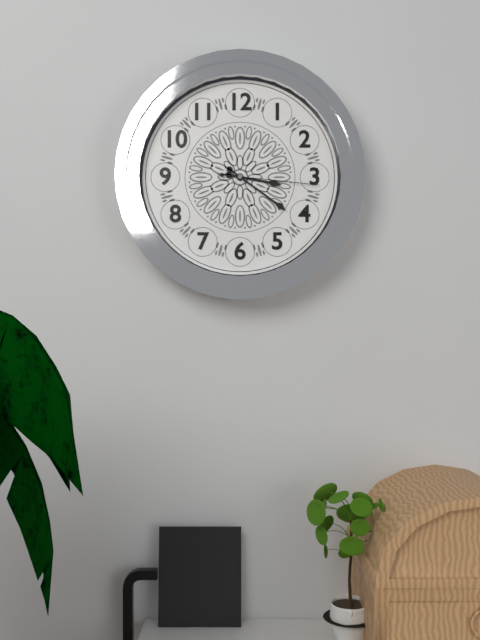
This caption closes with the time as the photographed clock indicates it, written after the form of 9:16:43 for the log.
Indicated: 3:21:16
